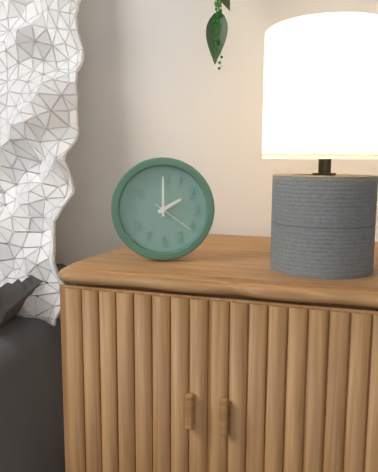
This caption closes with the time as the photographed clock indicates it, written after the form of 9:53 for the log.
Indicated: 2:00
